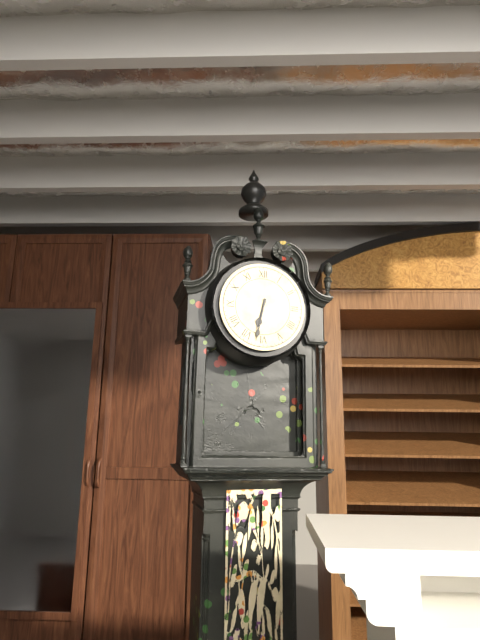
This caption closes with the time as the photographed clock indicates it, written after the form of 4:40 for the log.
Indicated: 6:32
